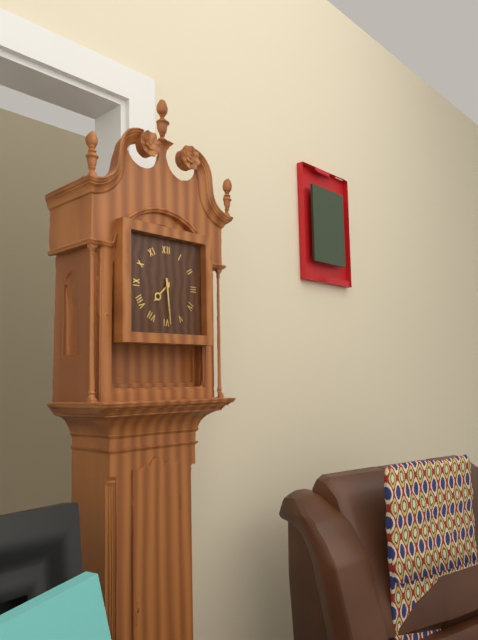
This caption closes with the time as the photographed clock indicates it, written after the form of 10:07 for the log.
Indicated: 7:29
